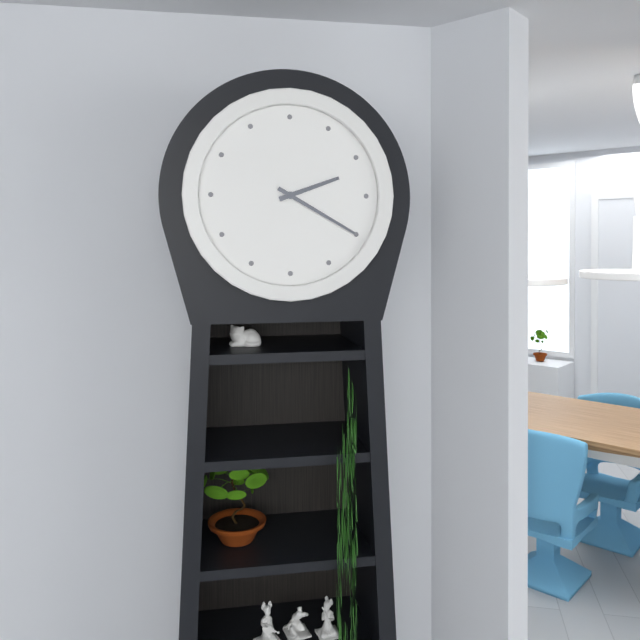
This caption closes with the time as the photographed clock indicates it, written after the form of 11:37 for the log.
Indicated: 2:20
